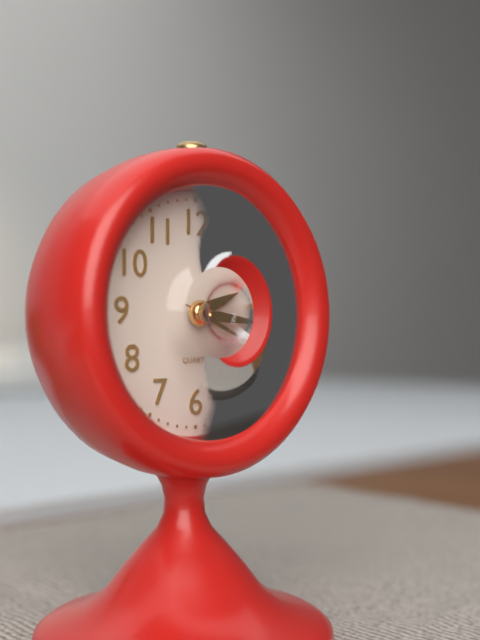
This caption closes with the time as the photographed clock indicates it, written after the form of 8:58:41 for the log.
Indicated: 2:16:19
